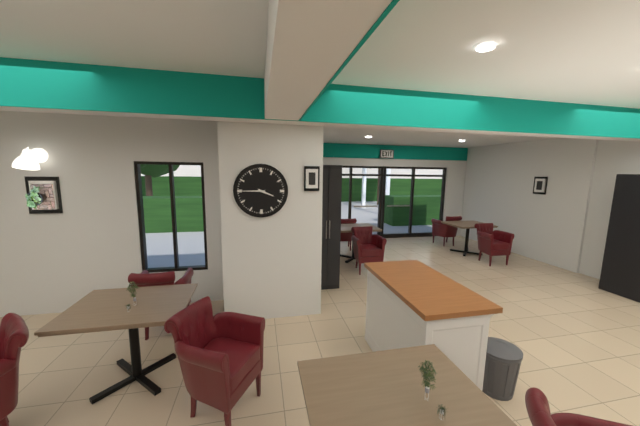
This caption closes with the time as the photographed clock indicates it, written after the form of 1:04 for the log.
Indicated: 3:45
